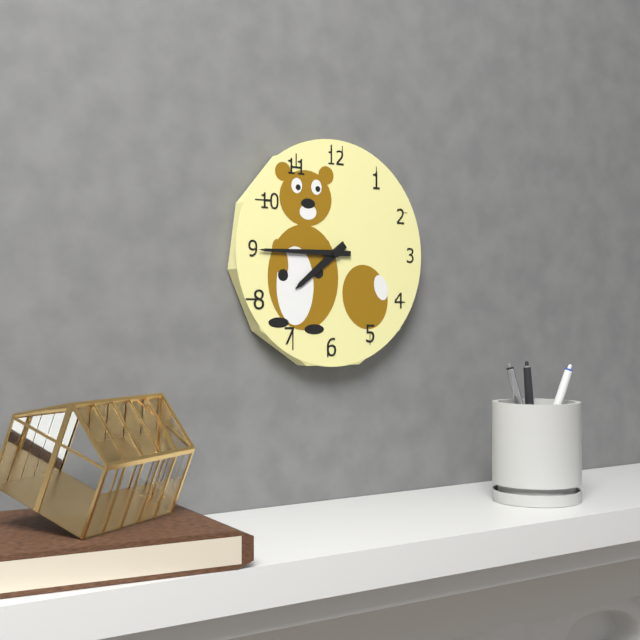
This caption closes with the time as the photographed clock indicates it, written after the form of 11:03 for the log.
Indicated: 7:45
